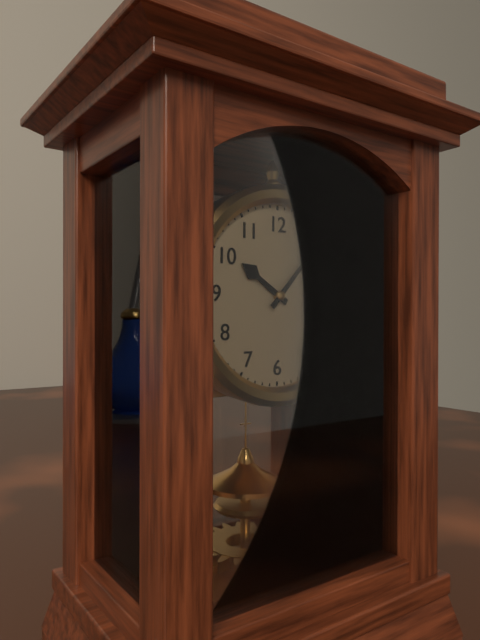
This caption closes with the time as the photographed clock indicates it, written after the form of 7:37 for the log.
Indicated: 10:07
